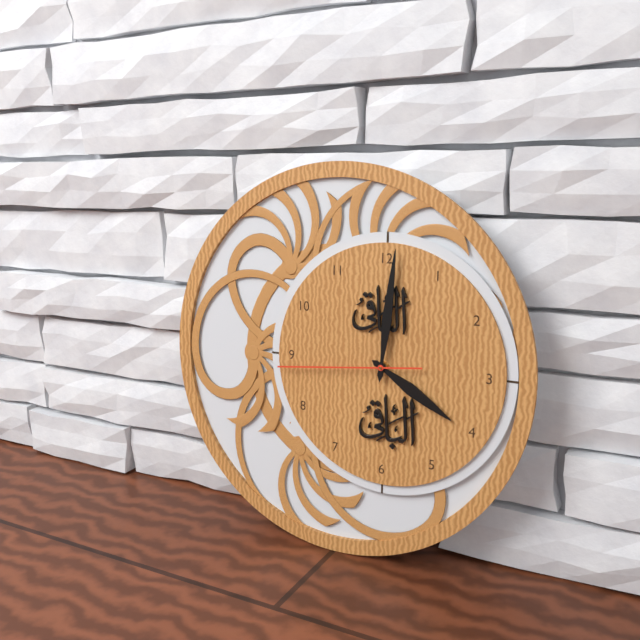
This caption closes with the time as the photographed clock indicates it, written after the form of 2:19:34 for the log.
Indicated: 4:01:44
